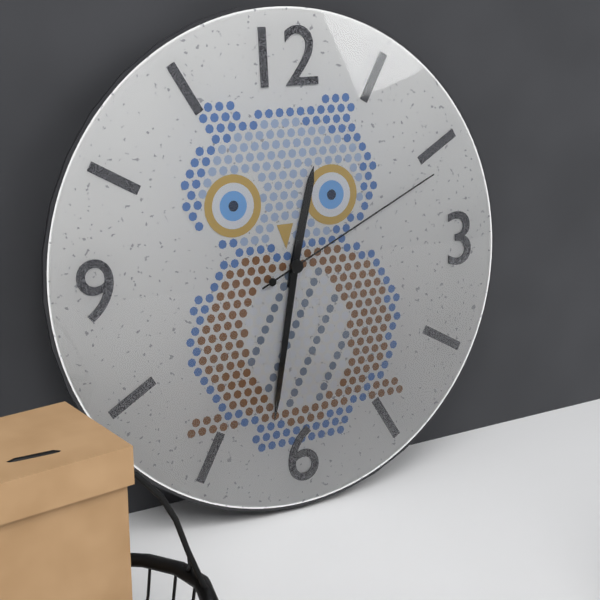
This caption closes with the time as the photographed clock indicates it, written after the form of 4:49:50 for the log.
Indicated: 12:32:11
